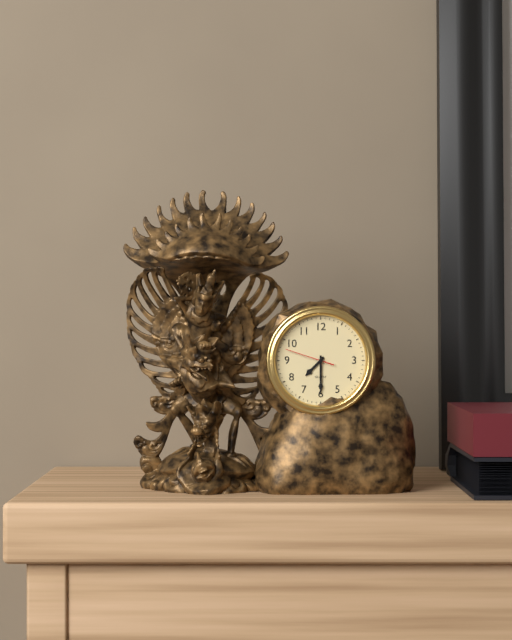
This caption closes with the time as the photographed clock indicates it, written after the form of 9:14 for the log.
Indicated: 7:30
